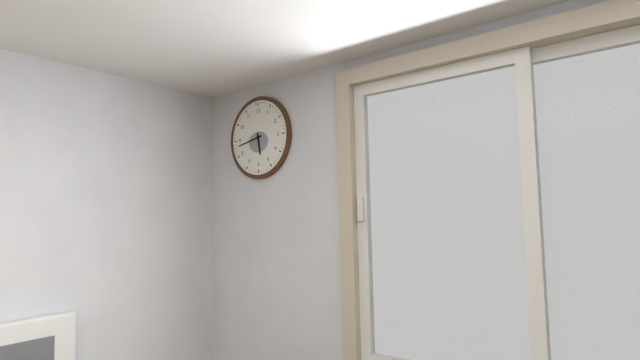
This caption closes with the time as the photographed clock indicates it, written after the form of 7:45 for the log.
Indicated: 5:43
